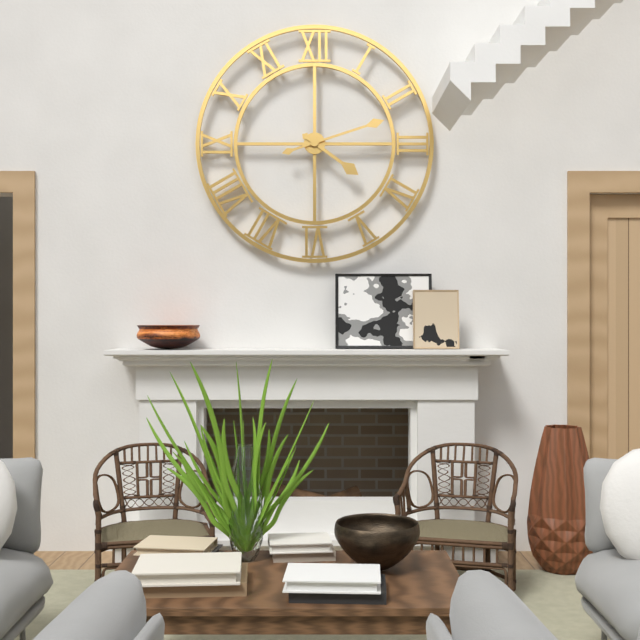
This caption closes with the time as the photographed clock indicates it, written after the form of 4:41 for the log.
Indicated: 4:12
